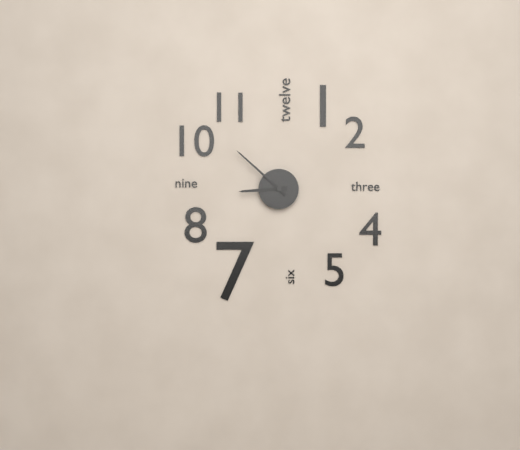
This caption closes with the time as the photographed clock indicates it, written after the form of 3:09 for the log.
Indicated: 8:52
